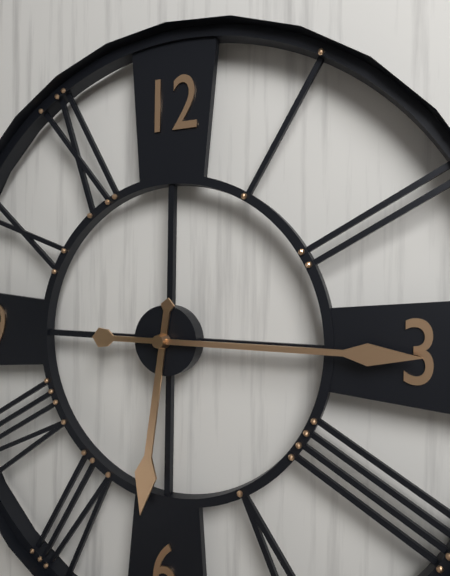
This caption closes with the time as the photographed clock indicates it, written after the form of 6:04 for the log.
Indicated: 6:15
